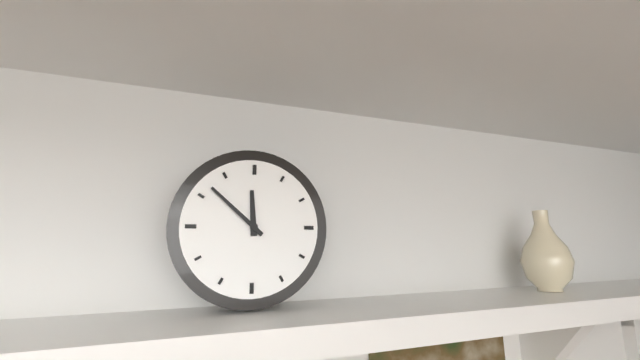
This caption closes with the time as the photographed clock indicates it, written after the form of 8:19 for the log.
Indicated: 11:52
